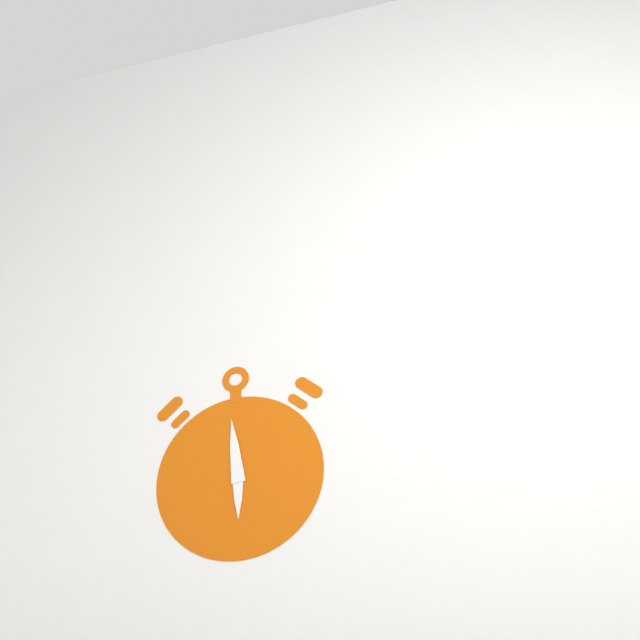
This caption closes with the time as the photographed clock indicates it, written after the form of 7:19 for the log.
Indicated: 5:59
